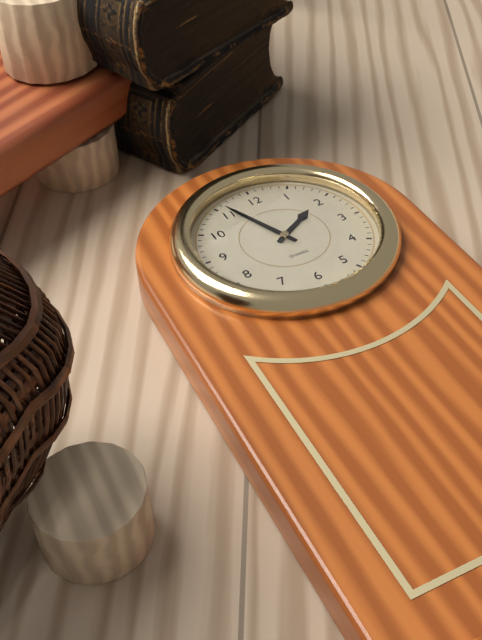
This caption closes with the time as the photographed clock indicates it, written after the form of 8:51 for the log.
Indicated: 1:56
